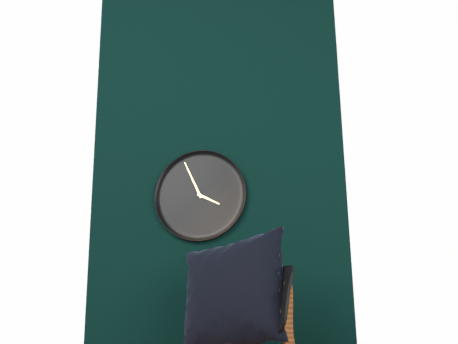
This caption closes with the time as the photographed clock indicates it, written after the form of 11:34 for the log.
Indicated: 3:56
